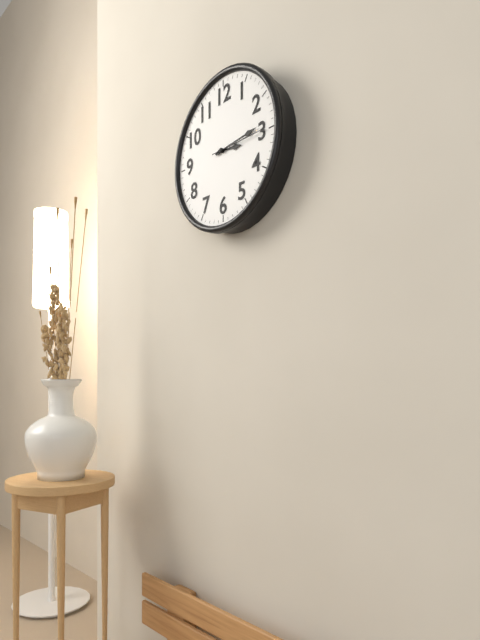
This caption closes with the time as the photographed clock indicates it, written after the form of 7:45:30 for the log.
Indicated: 3:14:15
